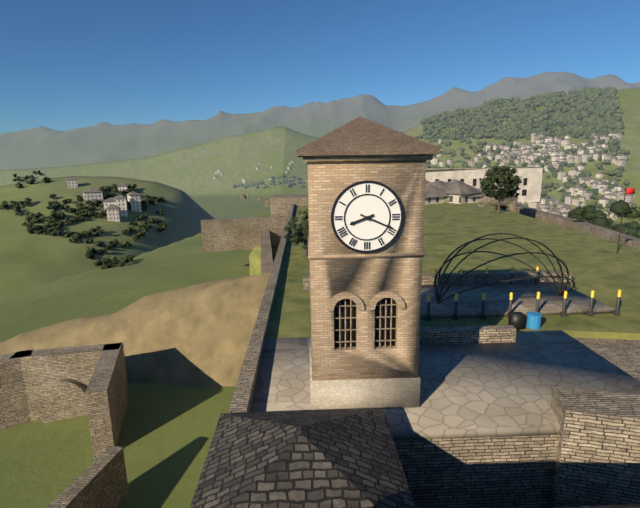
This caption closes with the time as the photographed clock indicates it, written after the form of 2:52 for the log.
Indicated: 8:19
